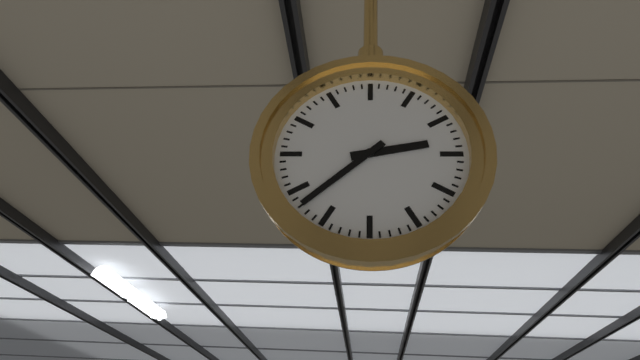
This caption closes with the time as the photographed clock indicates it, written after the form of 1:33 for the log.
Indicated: 2:38
